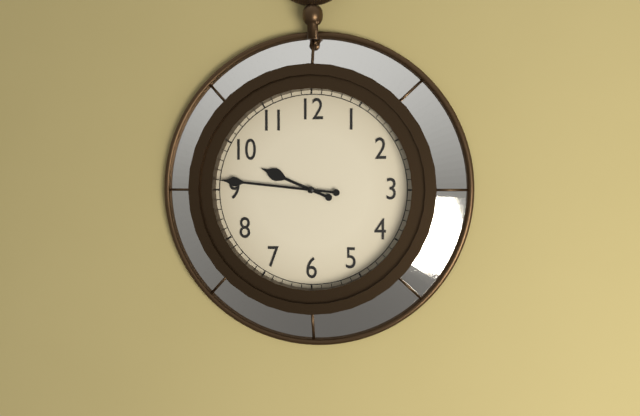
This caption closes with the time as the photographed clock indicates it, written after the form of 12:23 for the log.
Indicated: 9:46
